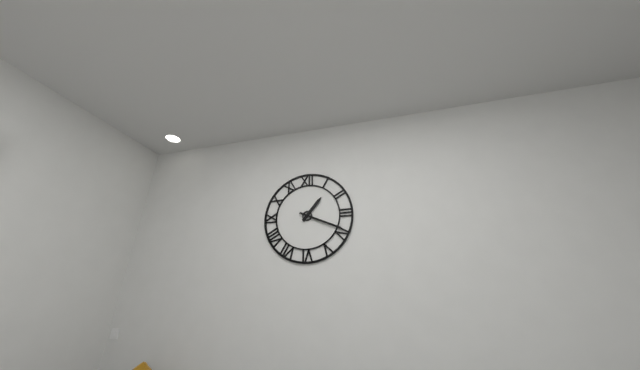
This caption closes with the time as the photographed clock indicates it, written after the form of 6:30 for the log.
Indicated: 1:19
